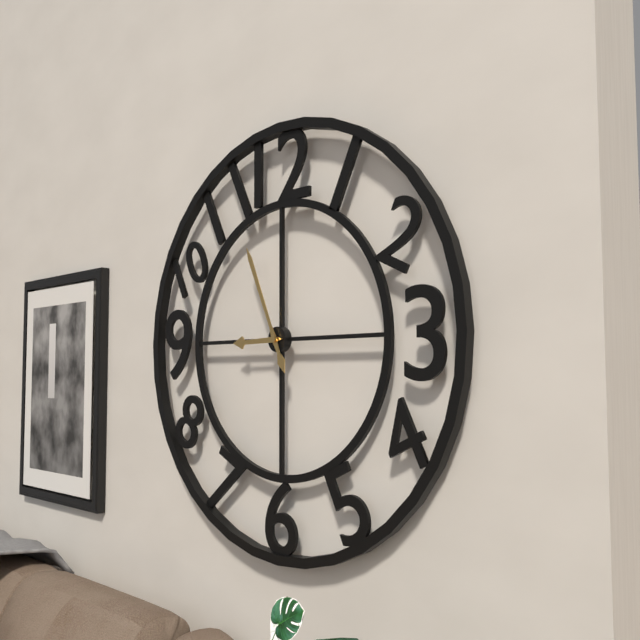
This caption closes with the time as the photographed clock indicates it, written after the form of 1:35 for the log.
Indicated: 8:56
